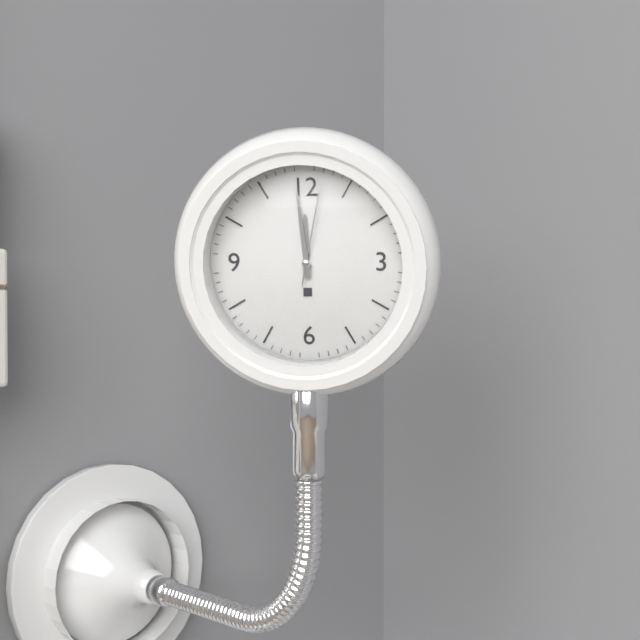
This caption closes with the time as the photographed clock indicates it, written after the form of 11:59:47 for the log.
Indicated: 11:59:02
